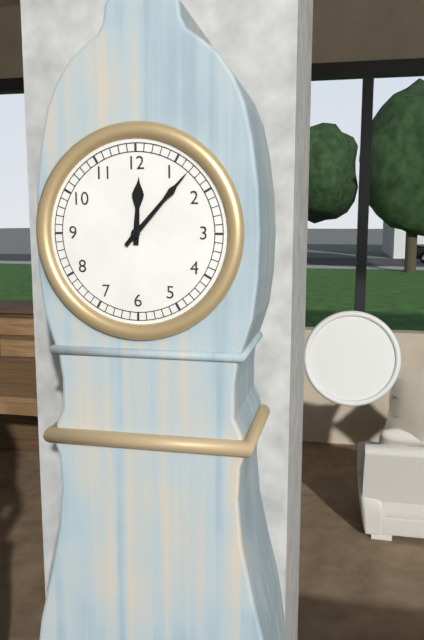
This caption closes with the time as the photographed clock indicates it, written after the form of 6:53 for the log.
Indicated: 12:07
